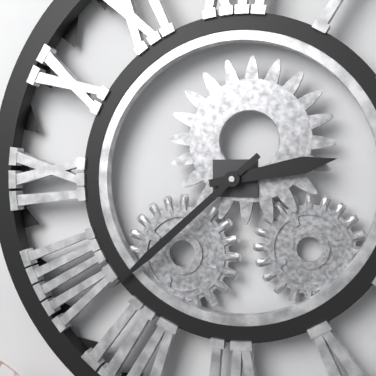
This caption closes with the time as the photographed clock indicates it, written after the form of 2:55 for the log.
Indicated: 2:38
